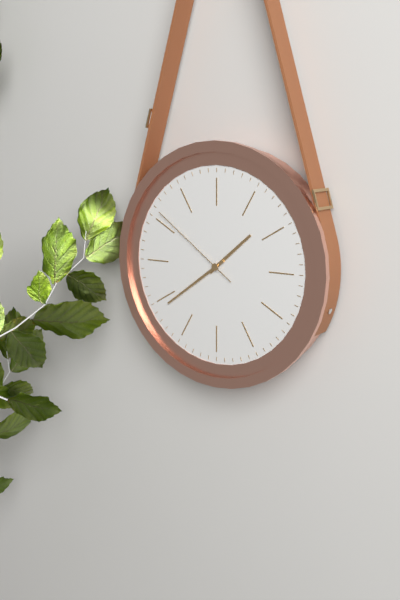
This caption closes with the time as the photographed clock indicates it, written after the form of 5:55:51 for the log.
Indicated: 1:39:51
